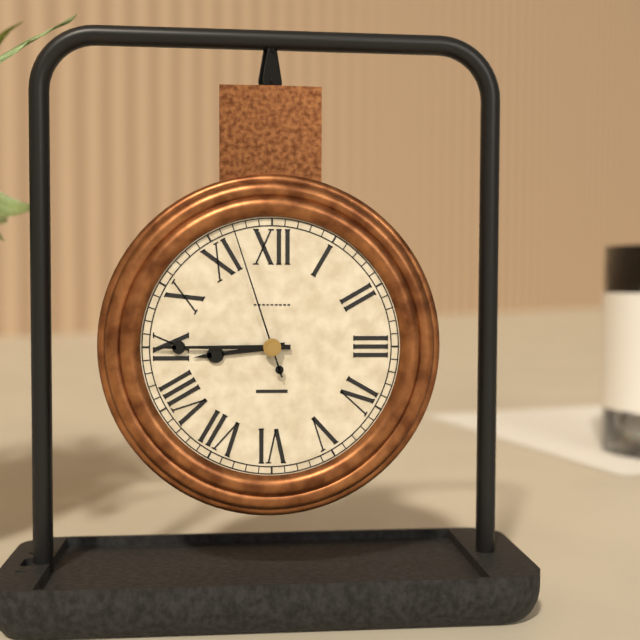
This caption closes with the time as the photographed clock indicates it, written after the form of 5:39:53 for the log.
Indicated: 8:45:57
